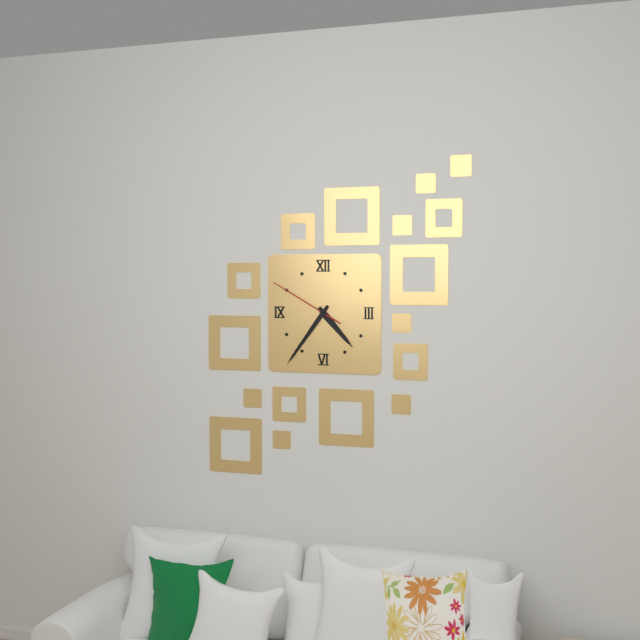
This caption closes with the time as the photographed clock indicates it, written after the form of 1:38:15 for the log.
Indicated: 4:36:50
